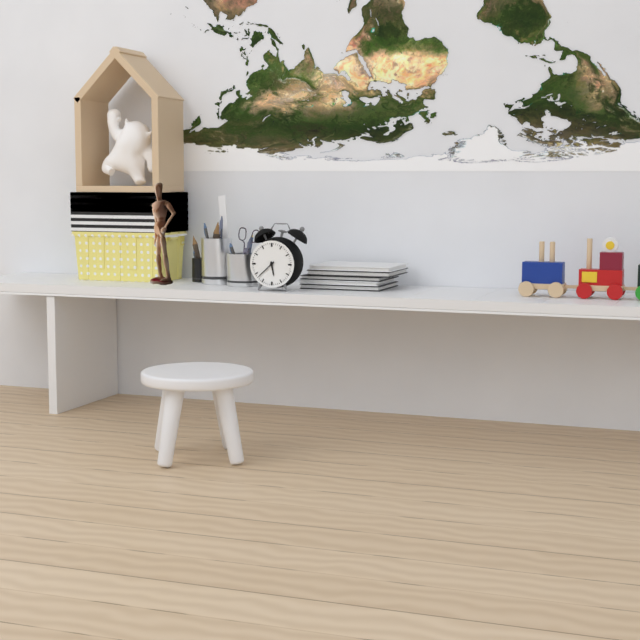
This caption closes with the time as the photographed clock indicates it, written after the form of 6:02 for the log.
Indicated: 5:38
